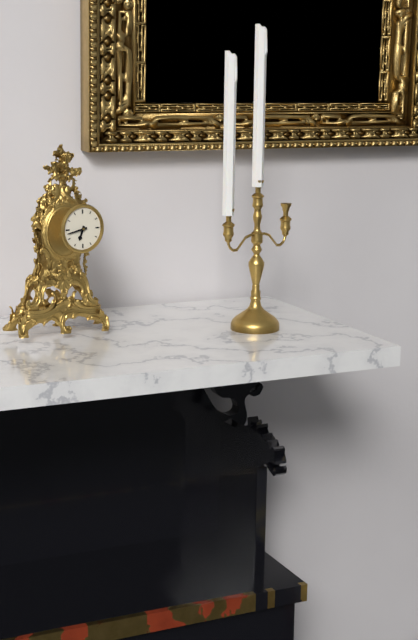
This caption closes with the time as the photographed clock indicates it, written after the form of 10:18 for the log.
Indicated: 6:43
